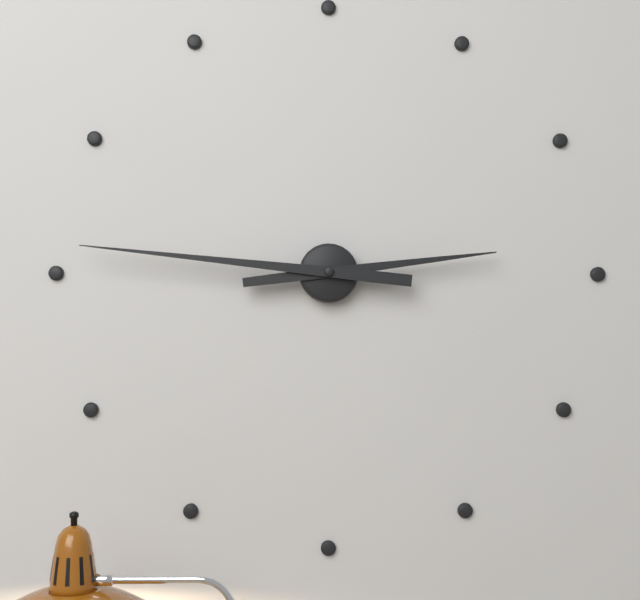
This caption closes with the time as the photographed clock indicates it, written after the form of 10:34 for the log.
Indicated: 2:46
